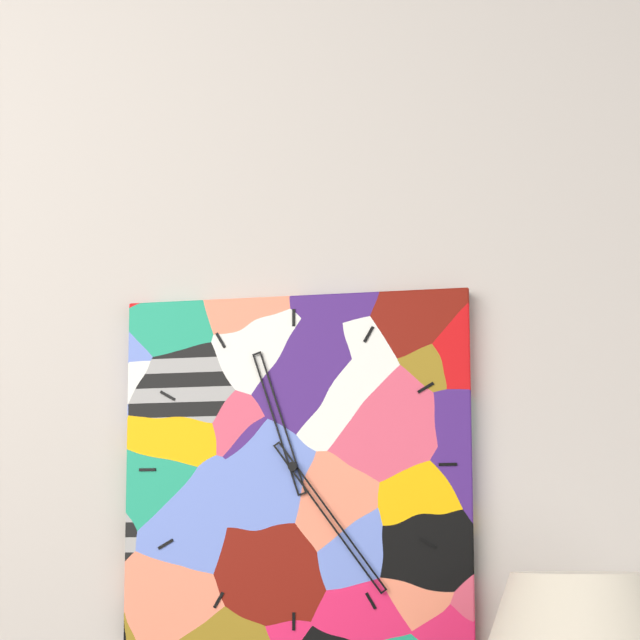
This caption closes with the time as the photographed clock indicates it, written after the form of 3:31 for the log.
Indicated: 11:24
